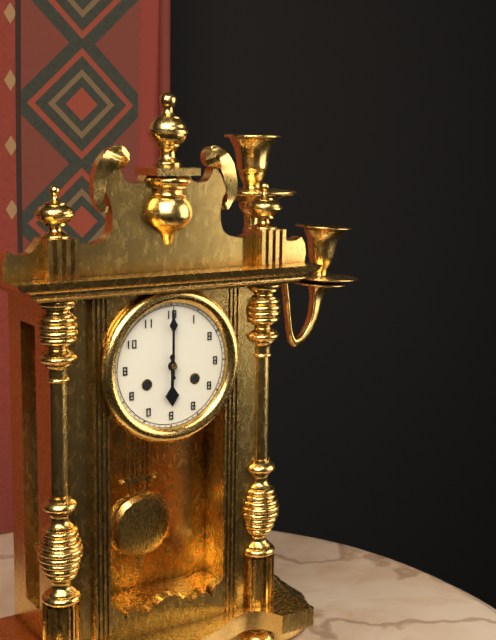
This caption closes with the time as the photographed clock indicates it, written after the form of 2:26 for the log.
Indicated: 6:00
